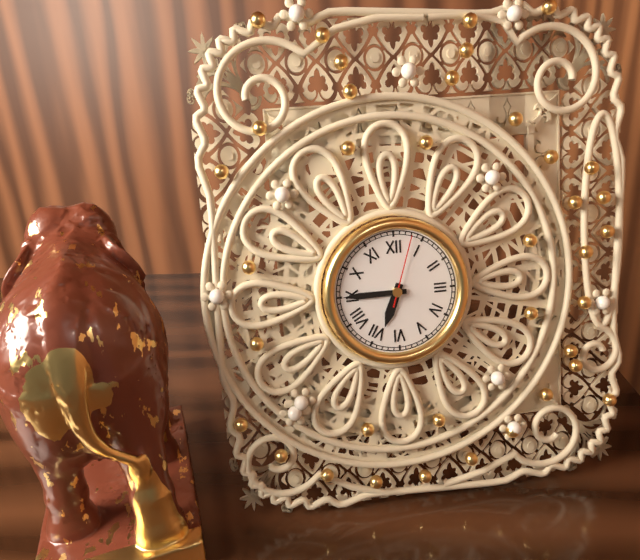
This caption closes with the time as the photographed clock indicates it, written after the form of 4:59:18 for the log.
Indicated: 6:45:03
